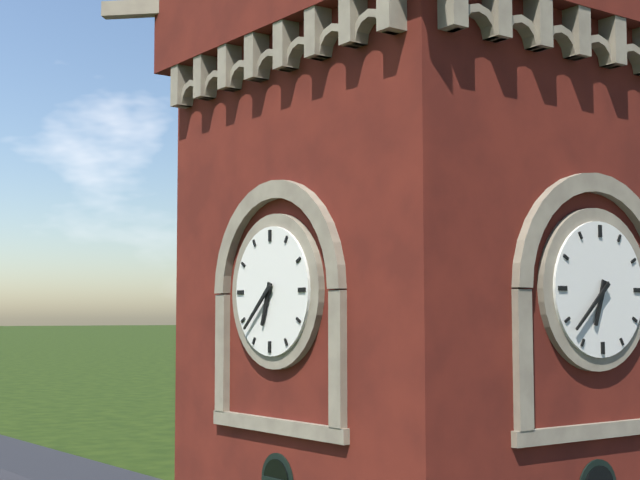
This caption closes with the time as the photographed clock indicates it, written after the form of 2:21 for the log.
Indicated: 6:38
